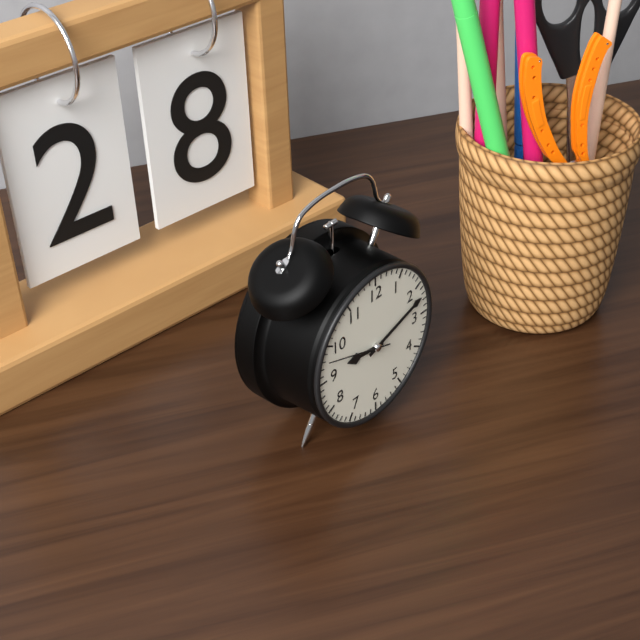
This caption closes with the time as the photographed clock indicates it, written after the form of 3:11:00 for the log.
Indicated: 9:12:48
